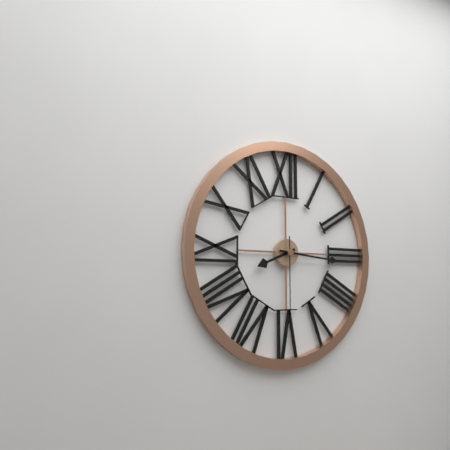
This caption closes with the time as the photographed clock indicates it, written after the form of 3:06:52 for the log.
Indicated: 8:16:30
